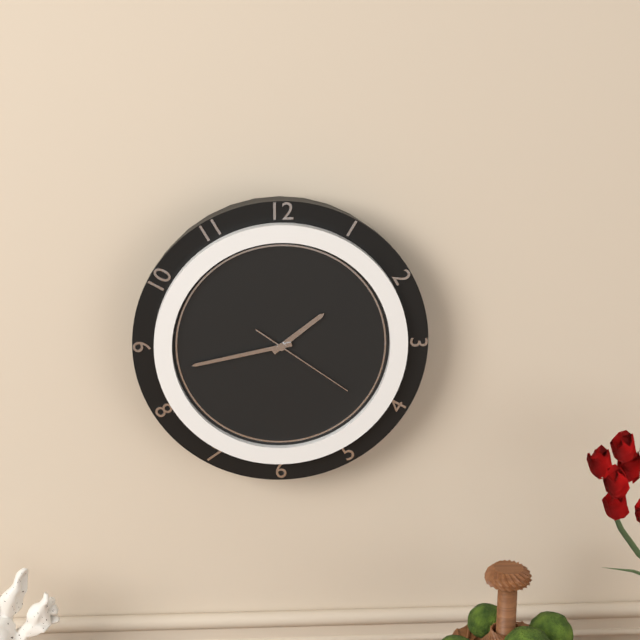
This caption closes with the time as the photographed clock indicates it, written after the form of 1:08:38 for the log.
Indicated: 1:43:21
